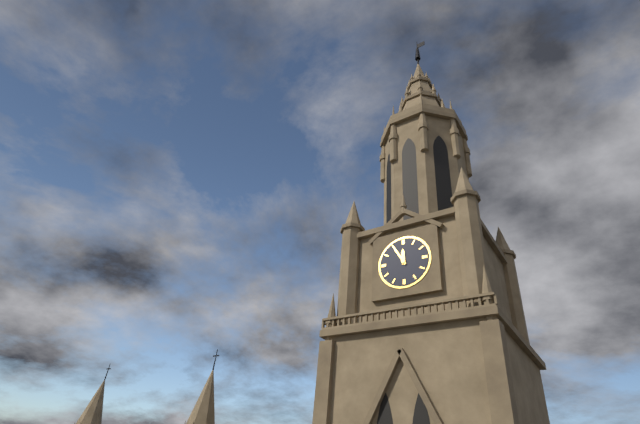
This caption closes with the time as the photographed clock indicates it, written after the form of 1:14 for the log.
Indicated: 11:55
